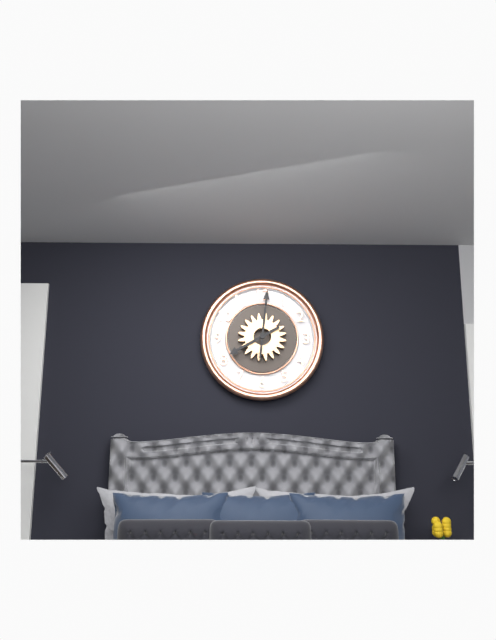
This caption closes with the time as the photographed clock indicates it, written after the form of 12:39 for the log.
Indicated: 8:01
